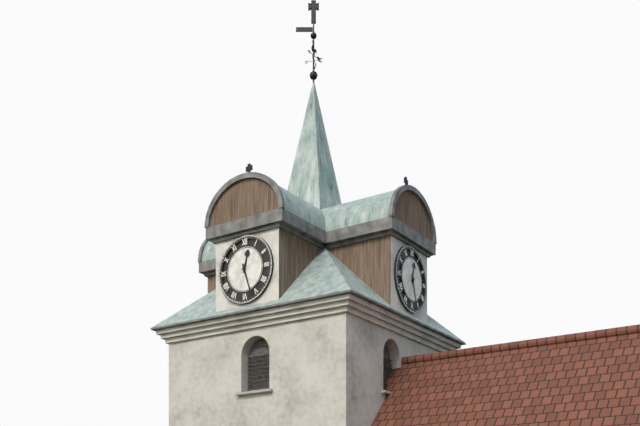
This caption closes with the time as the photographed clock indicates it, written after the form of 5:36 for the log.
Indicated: 12:27
